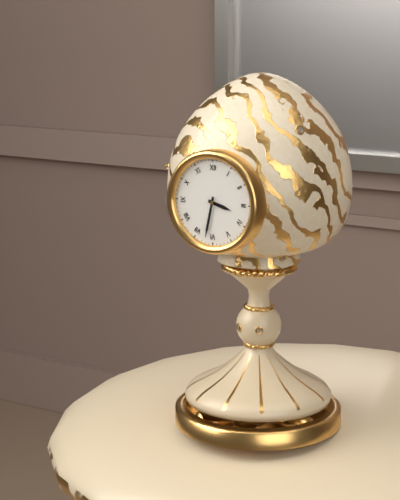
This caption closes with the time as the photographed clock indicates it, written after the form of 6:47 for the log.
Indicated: 3:32
